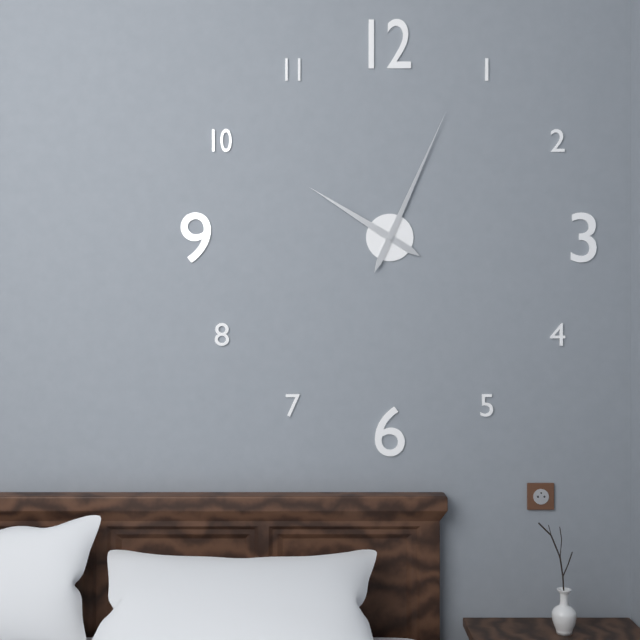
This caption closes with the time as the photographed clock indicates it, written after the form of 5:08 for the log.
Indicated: 10:04
